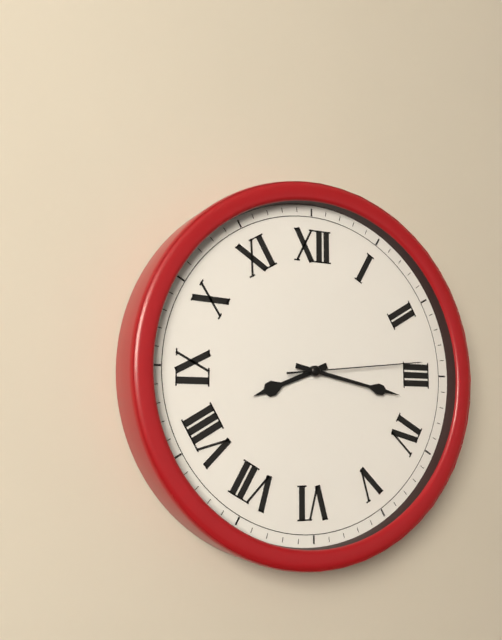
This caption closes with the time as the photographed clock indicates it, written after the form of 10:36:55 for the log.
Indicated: 8:17:14
